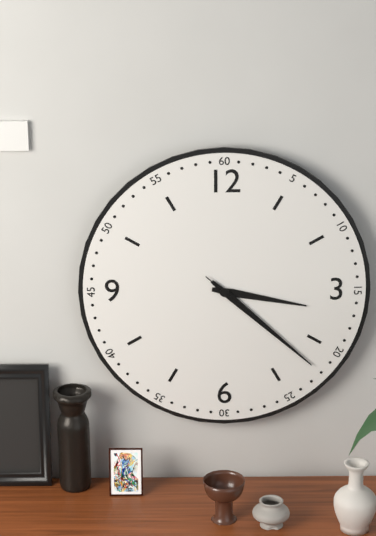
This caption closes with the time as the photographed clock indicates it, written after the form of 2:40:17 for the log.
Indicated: 3:22:22
